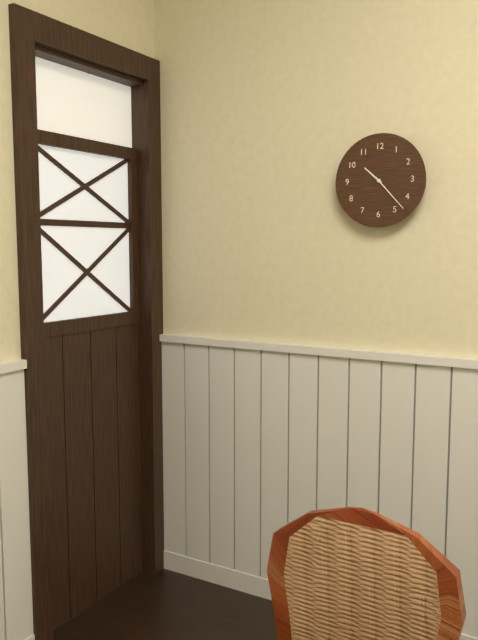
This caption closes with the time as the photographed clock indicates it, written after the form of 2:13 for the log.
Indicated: 10:23
